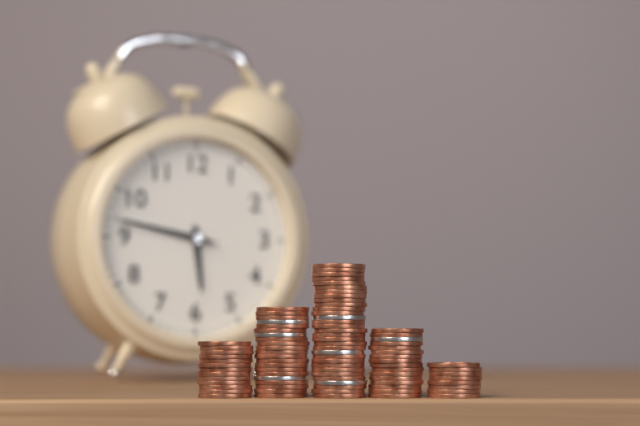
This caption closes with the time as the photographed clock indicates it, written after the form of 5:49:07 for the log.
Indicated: 5:47:47
